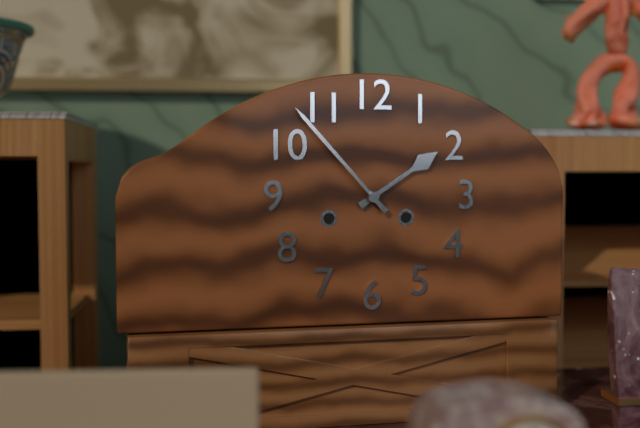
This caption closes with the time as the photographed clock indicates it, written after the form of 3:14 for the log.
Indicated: 1:53
